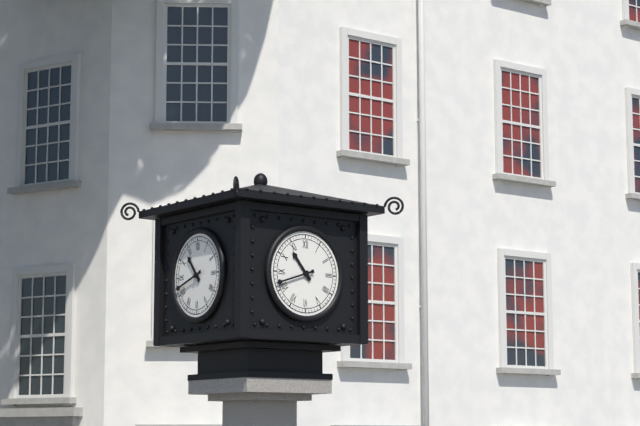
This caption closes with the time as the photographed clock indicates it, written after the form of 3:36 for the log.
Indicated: 10:42
